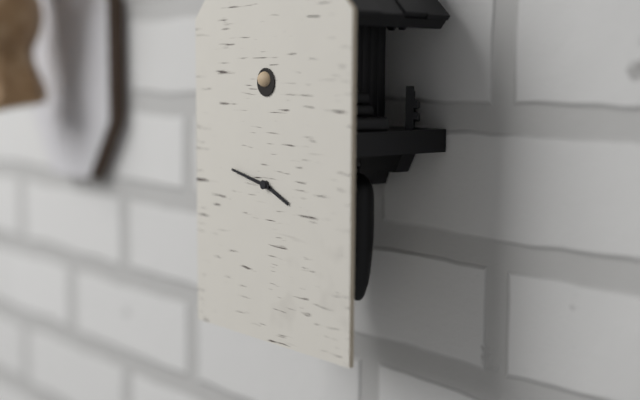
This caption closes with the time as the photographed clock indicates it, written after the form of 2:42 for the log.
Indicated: 3:47
